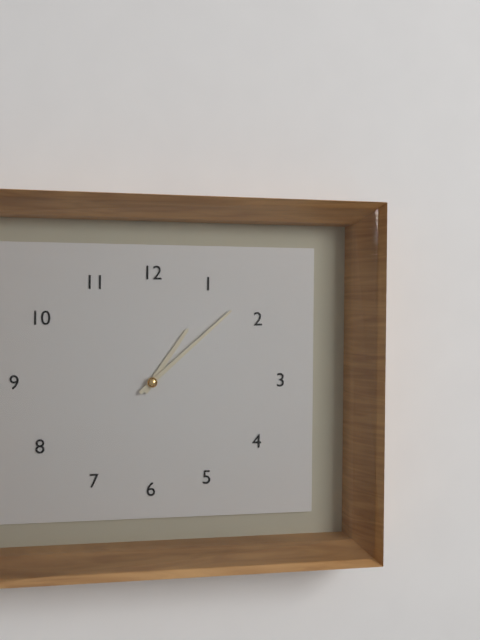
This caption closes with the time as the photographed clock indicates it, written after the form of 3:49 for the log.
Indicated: 1:08
